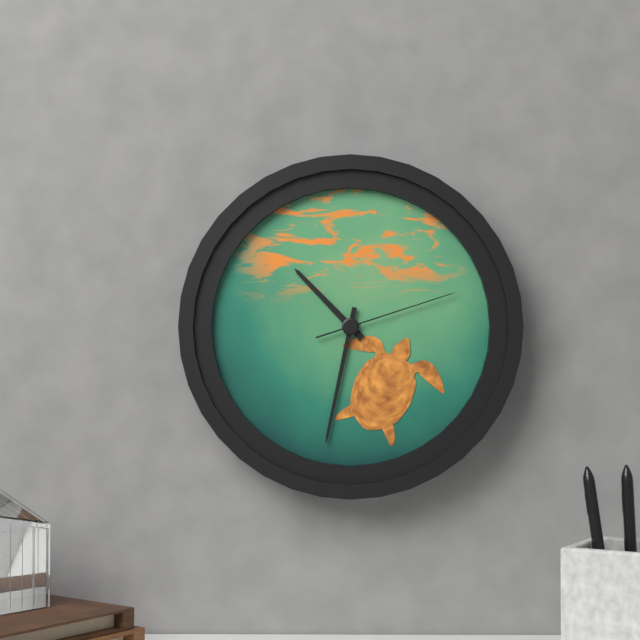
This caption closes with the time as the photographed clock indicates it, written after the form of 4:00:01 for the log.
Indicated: 10:32:12
